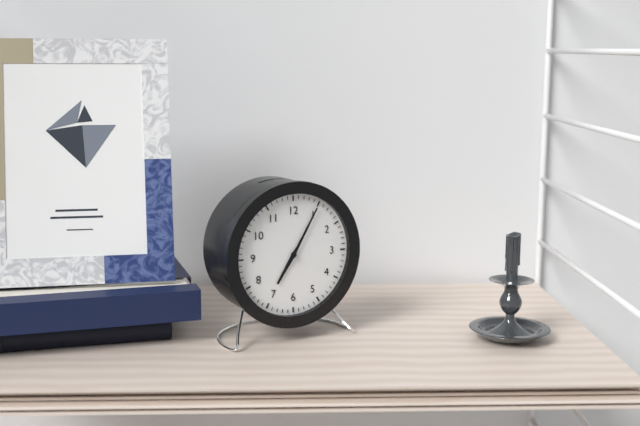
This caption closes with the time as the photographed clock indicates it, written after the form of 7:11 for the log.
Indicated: 7:05
